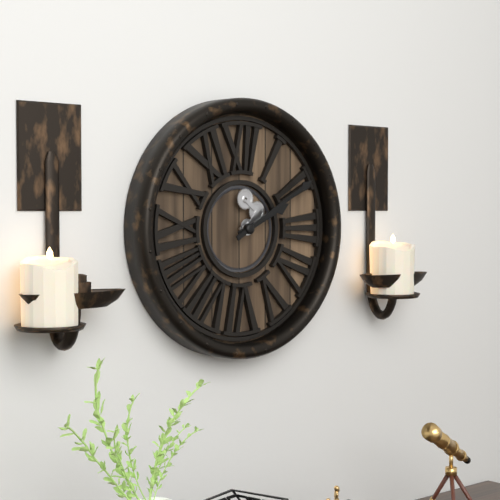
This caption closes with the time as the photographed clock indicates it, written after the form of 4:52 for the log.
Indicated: 2:10
